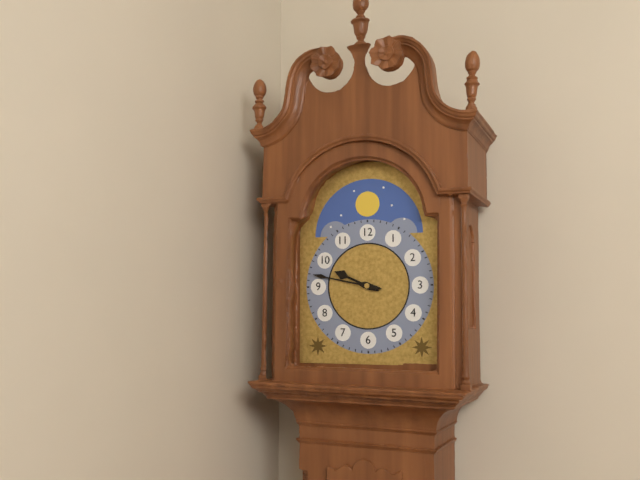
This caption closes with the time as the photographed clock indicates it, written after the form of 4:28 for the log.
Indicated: 9:47
